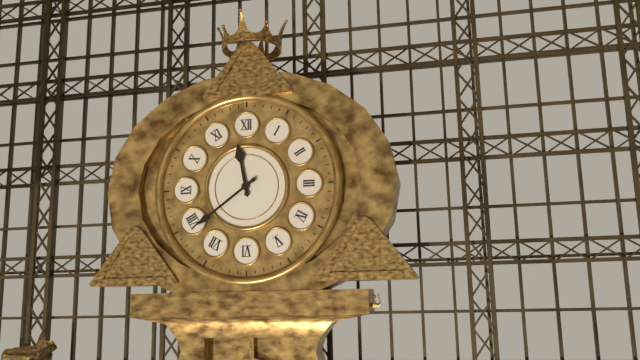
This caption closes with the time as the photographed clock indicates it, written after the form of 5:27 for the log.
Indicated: 11:39
